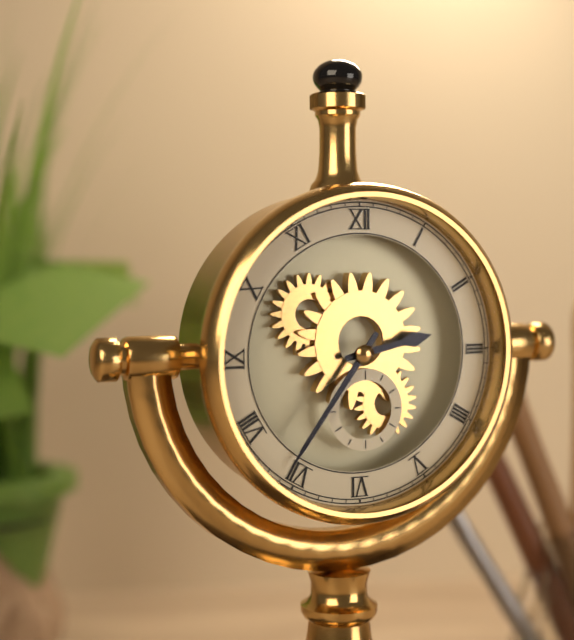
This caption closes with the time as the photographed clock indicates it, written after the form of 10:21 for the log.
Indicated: 2:36
